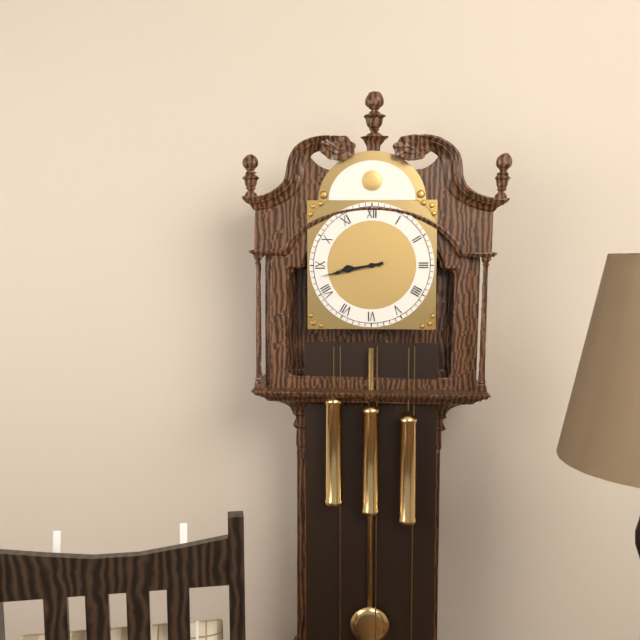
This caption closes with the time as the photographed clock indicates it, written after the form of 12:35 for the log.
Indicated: 8:43
